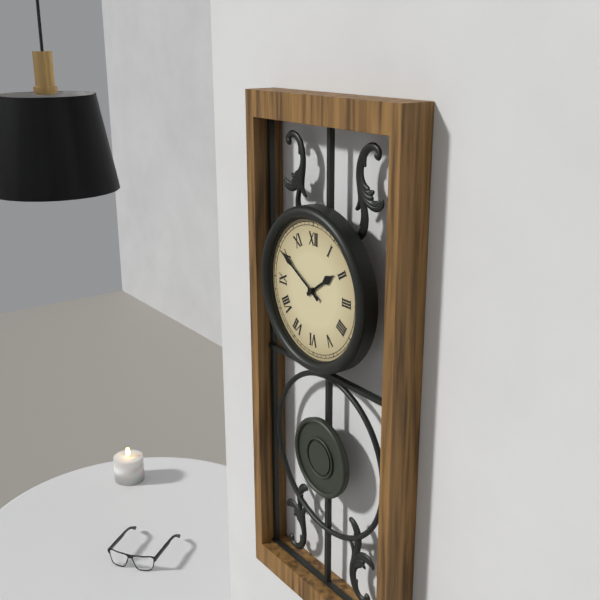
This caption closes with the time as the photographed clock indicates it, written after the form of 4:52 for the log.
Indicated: 1:50
